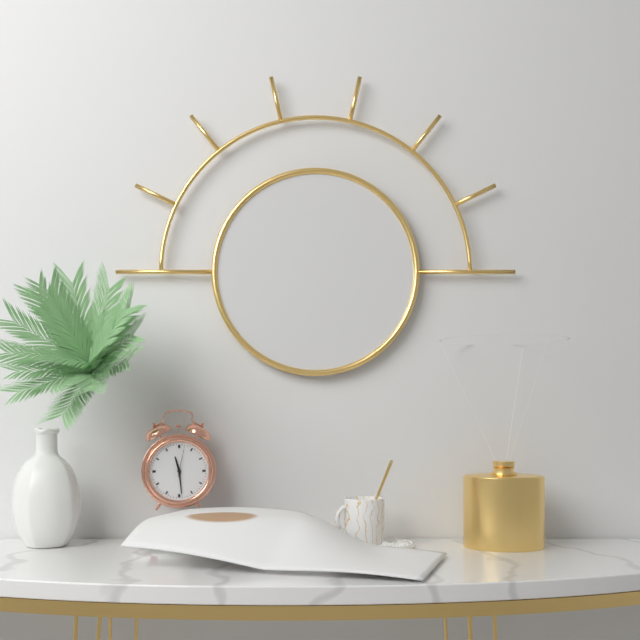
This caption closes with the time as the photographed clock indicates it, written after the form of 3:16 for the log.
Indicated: 11:29
